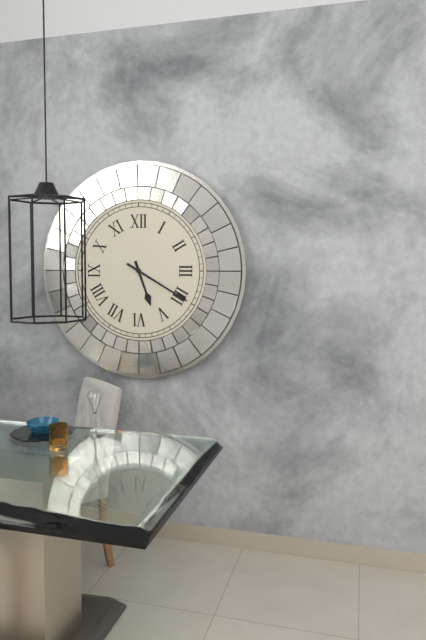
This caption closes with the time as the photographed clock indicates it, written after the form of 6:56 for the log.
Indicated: 5:20
